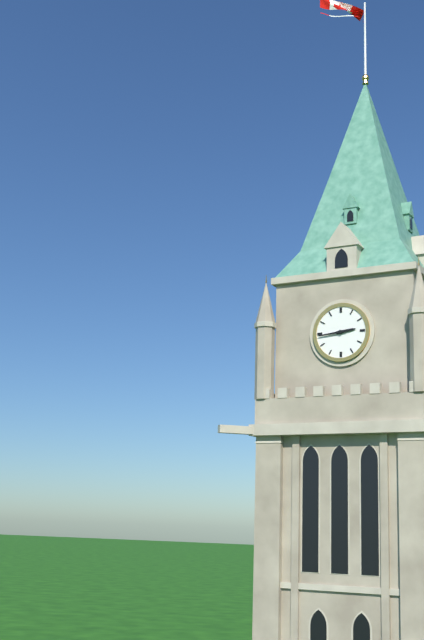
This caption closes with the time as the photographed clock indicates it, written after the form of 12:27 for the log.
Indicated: 2:44
